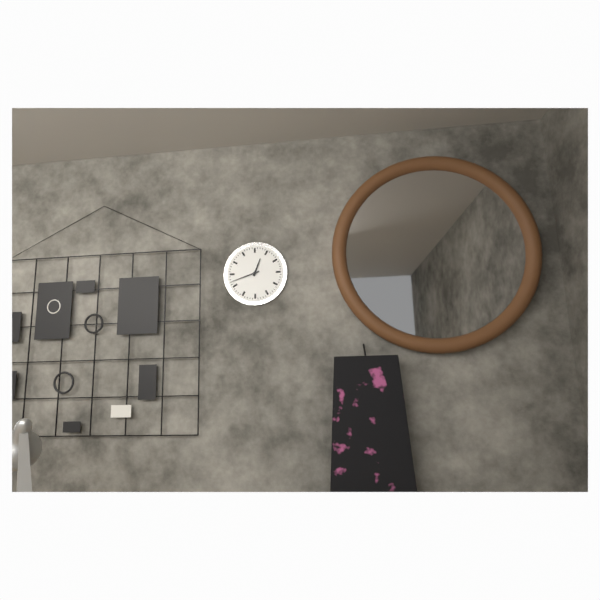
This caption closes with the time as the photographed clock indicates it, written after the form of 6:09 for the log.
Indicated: 12:42
